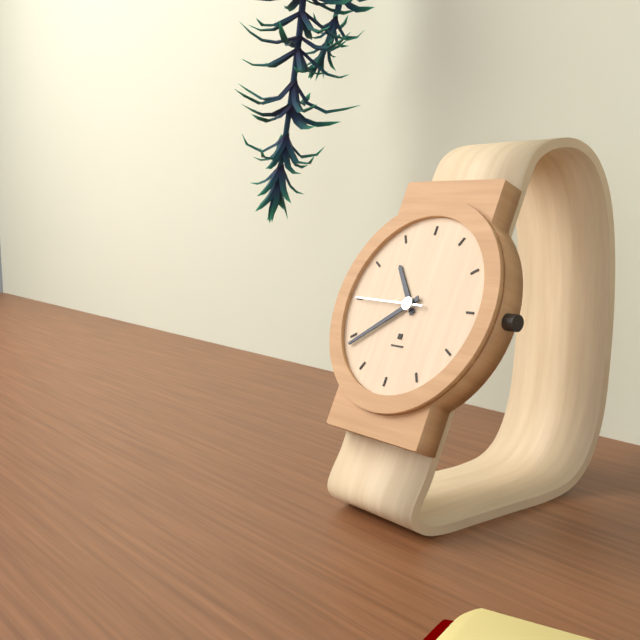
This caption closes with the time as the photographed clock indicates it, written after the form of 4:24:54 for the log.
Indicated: 10:39:45
